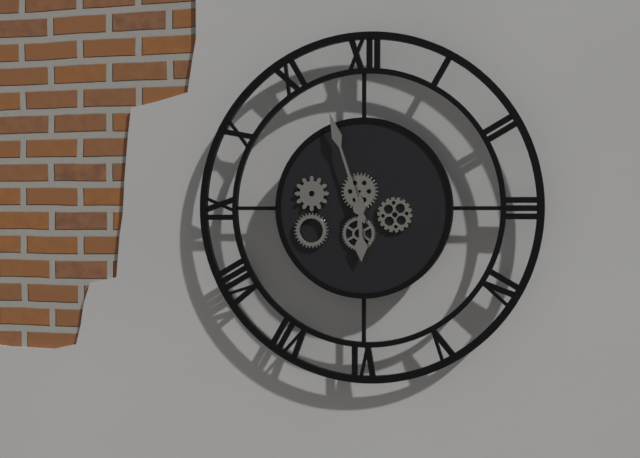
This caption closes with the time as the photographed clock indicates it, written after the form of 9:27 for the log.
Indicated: 5:57
